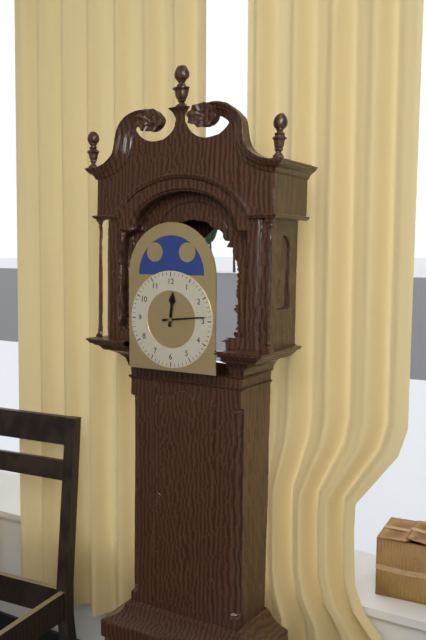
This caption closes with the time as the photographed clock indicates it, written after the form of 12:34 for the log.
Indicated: 12:14
